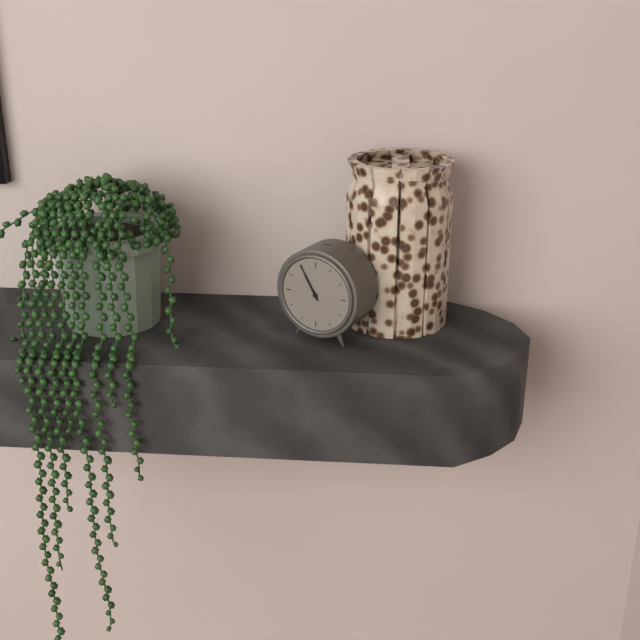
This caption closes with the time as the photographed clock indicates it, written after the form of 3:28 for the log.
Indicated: 10:55
